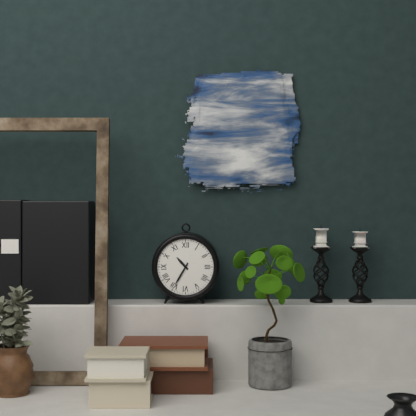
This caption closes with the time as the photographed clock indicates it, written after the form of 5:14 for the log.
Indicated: 10:35
